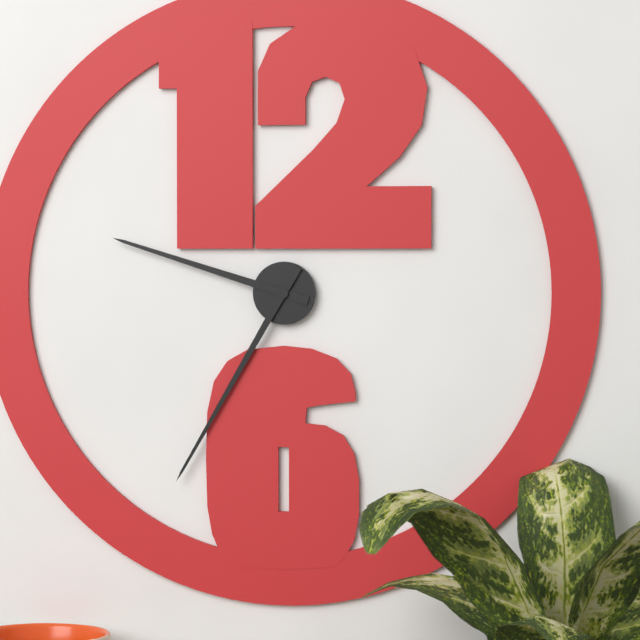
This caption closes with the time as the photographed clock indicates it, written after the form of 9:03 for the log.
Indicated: 9:35
